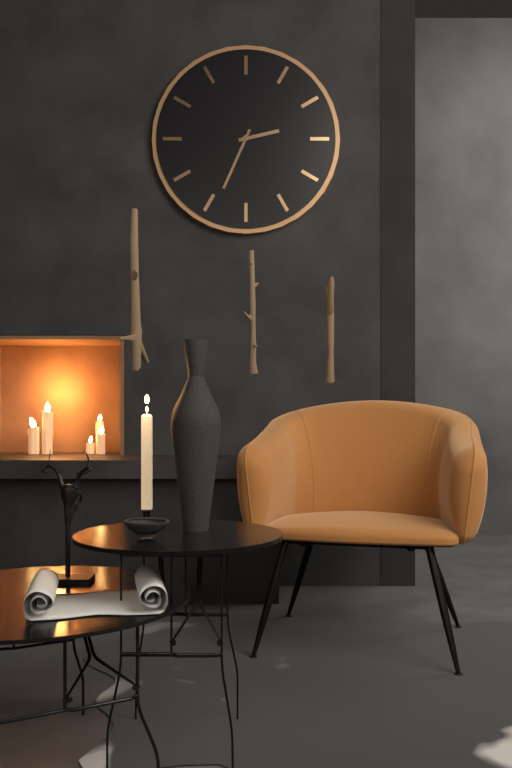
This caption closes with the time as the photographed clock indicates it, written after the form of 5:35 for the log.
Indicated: 2:34
